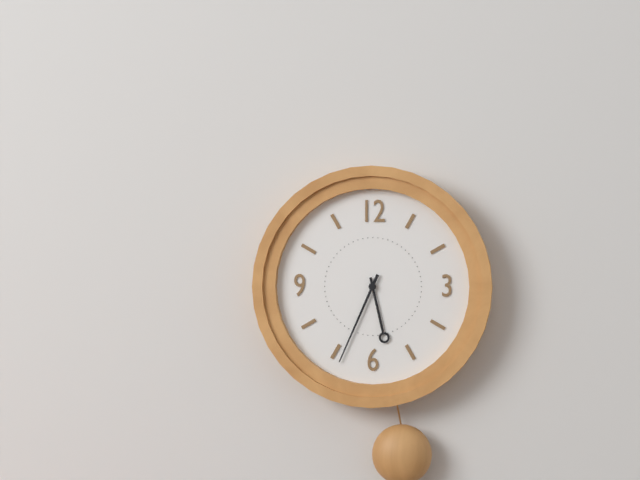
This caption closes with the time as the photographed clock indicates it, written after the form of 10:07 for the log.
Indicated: 5:34
